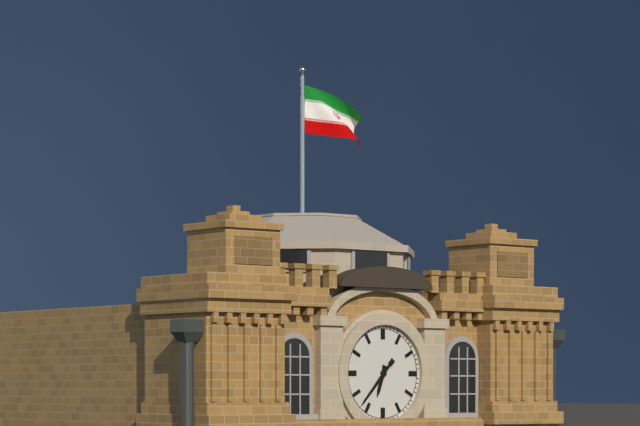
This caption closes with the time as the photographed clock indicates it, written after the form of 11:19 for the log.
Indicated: 6:37
